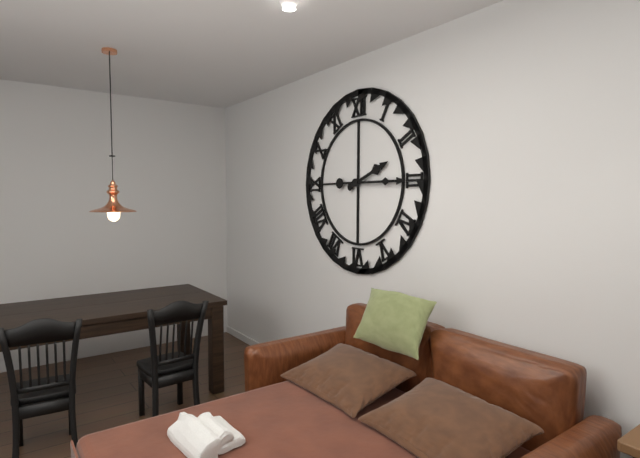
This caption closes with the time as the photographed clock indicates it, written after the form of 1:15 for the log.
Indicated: 2:15
